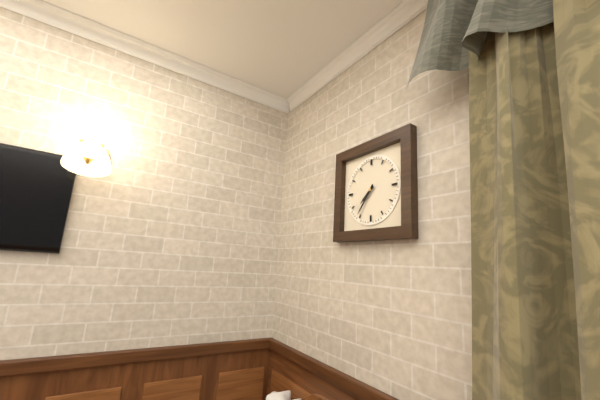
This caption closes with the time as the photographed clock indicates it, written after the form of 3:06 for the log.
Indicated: 7:36
